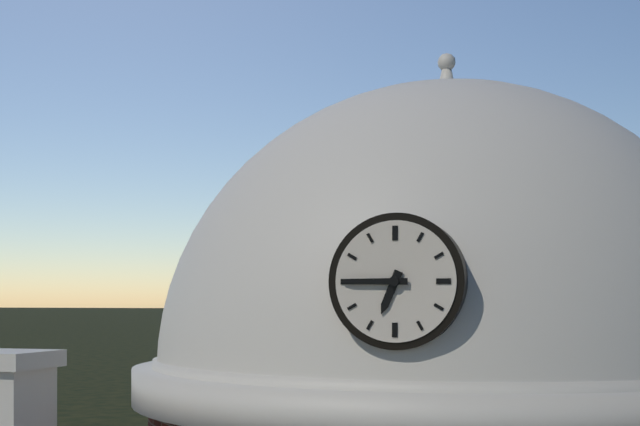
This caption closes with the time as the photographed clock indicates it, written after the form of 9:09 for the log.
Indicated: 6:45
